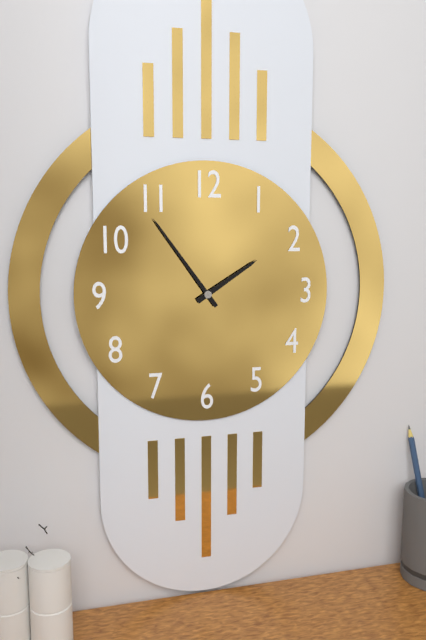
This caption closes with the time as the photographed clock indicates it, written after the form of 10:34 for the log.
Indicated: 1:54
